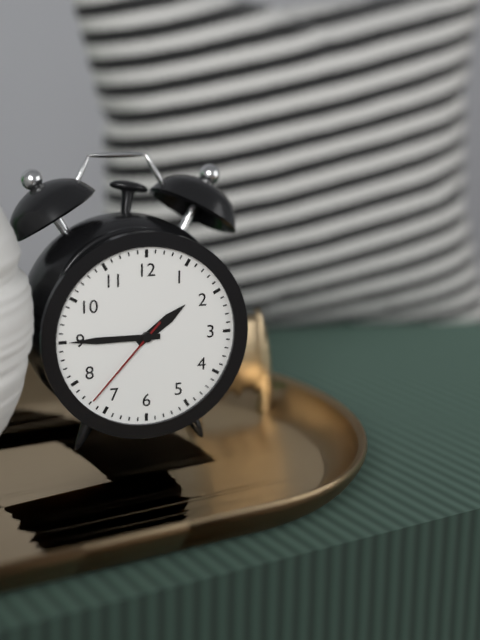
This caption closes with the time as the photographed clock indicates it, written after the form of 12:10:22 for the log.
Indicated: 1:45:37
